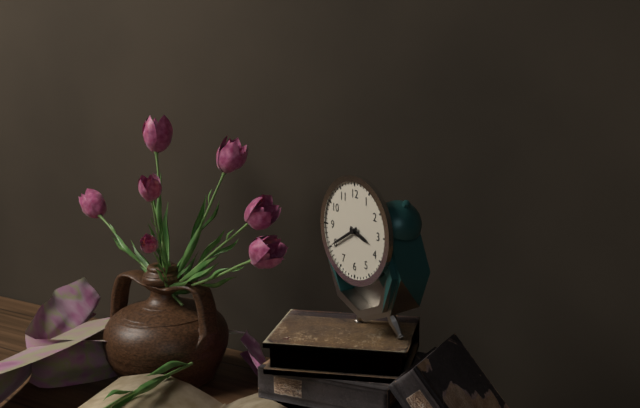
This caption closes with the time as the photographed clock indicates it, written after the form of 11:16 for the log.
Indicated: 3:40
